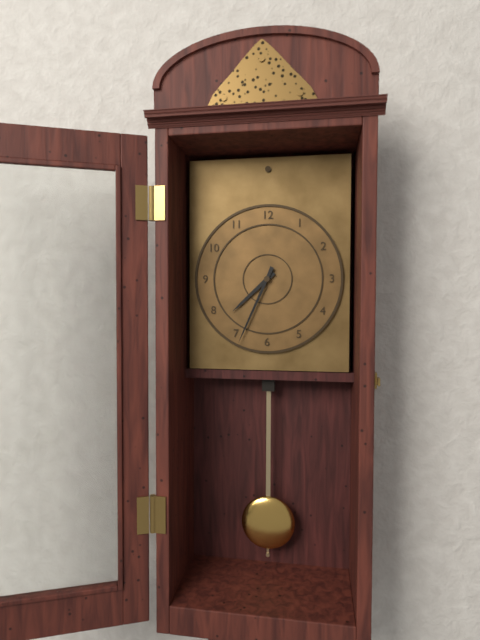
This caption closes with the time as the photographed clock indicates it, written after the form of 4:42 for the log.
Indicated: 7:34
